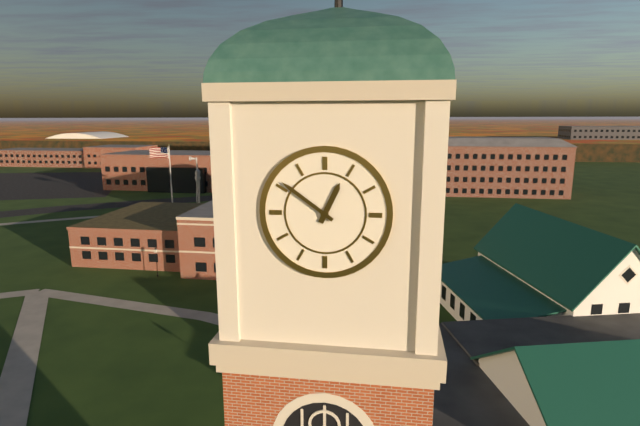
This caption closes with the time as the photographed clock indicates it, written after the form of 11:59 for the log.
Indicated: 12:51
